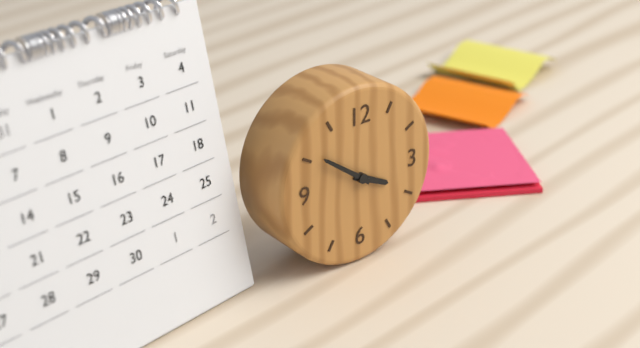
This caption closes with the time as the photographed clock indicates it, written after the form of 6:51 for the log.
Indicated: 3:51
